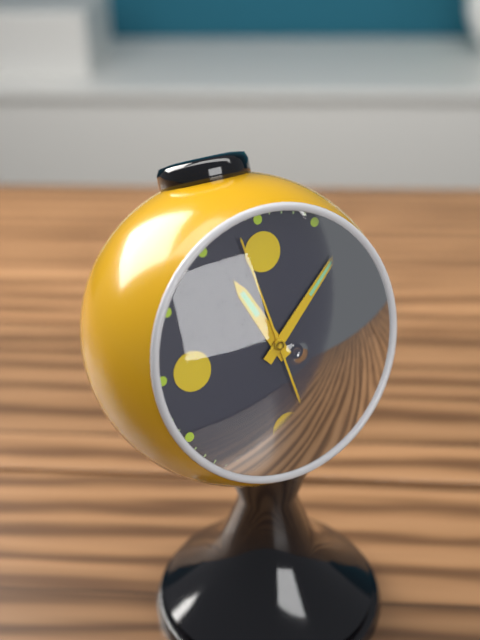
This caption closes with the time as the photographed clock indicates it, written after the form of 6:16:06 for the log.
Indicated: 11:08:58
